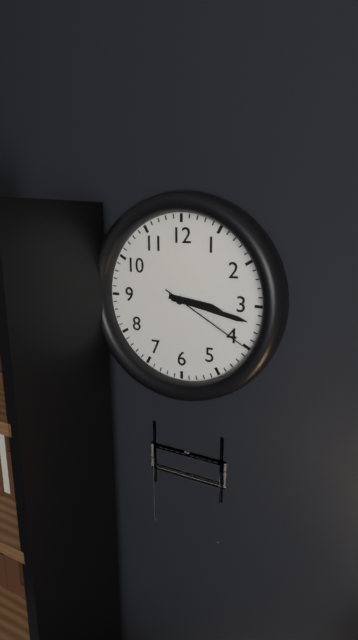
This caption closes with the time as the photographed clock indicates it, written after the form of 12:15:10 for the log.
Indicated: 3:17:20
